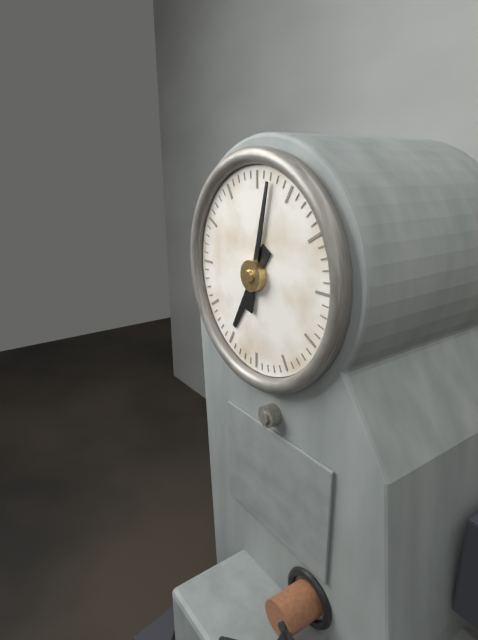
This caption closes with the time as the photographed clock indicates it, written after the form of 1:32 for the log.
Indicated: 7:02
